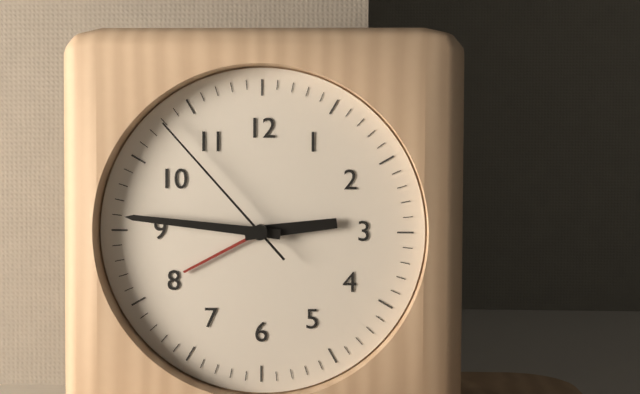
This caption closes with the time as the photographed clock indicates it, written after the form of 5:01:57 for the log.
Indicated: 2:46:53
